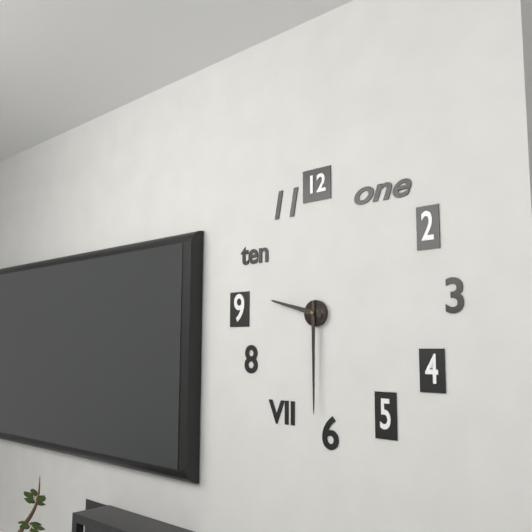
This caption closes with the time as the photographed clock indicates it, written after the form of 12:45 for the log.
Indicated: 9:30
